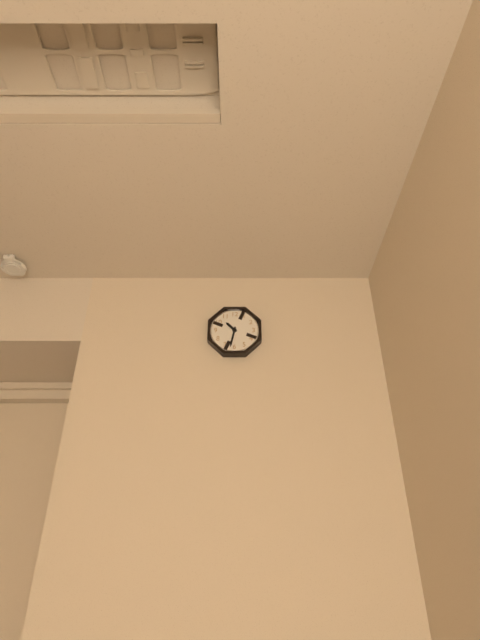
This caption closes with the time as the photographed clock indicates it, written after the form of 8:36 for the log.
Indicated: 10:32
